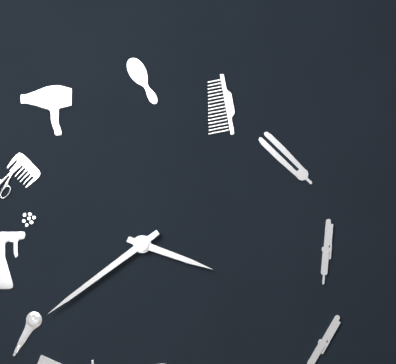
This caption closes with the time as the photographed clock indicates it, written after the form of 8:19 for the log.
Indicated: 3:39
